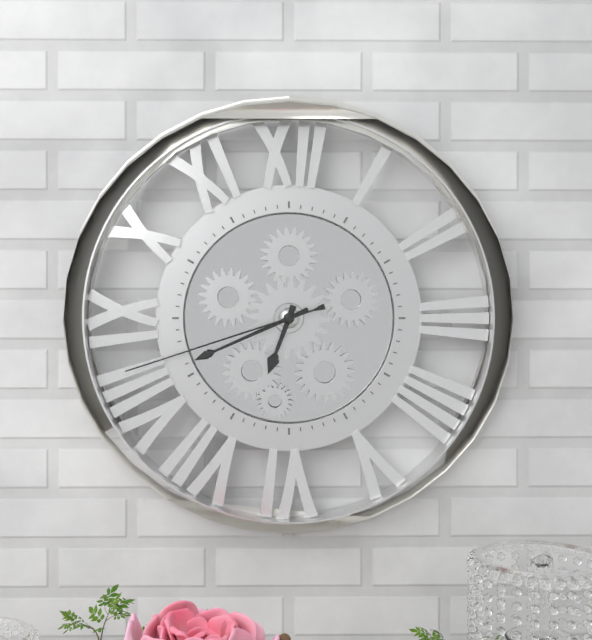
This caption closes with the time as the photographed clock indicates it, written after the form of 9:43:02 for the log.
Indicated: 6:41:42
